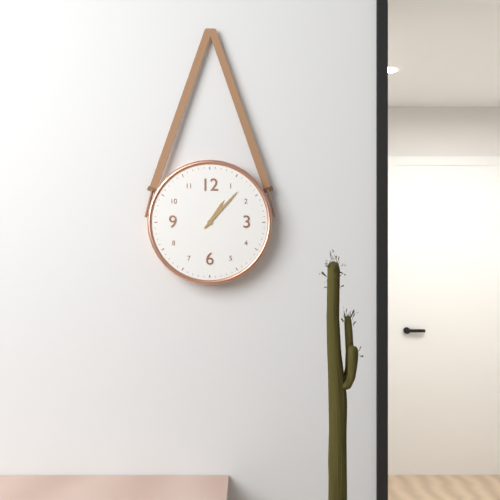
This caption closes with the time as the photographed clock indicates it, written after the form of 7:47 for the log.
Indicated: 1:07
